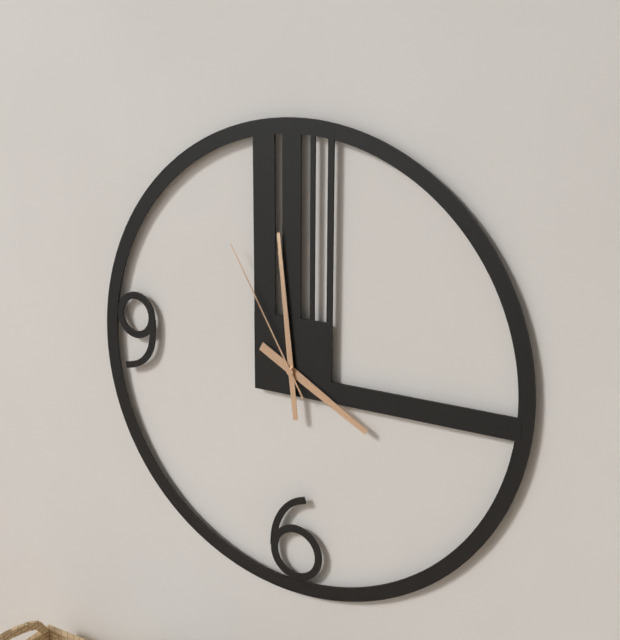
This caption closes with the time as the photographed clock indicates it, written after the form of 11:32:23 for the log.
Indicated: 3:59:55
